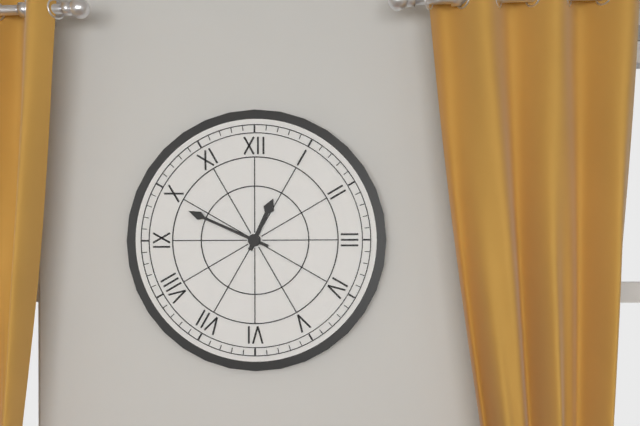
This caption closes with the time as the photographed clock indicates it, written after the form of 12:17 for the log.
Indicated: 12:49
